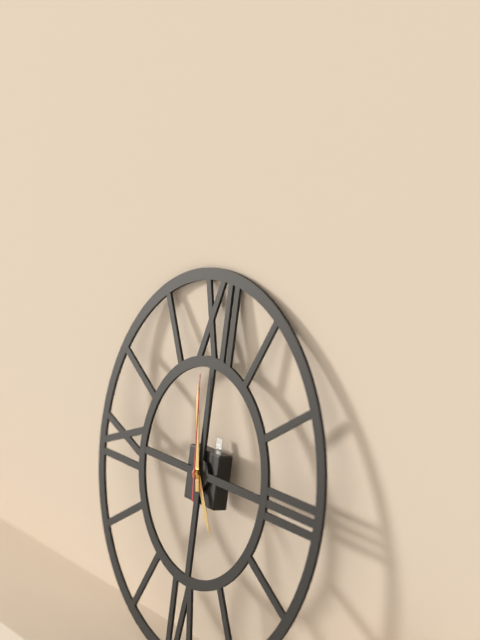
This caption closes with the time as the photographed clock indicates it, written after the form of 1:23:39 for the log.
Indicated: 4:58:59
